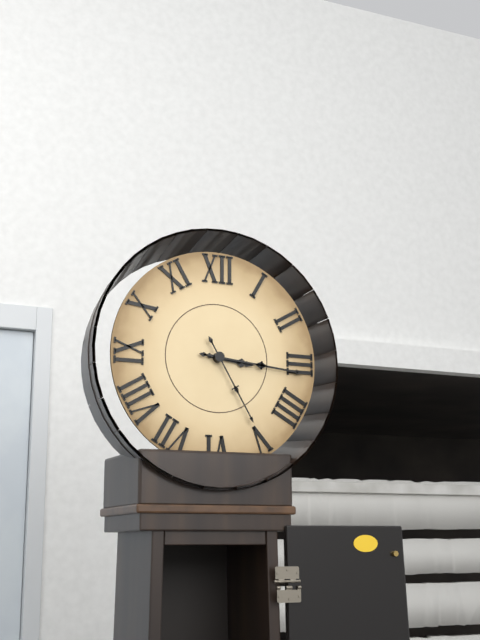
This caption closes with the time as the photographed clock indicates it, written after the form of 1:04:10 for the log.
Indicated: 3:16:25
